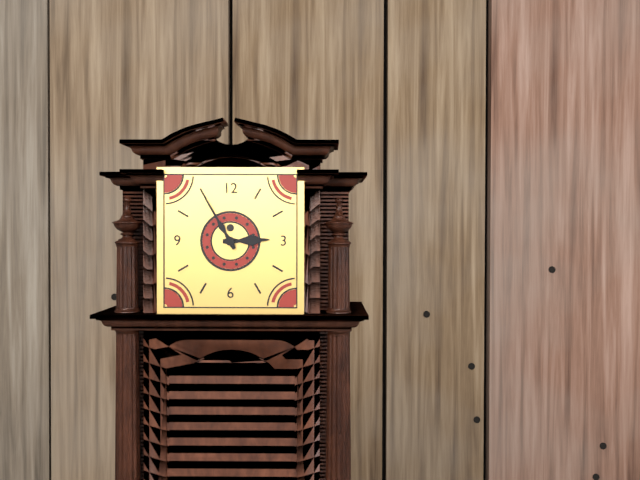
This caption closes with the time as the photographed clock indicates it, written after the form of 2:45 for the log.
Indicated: 2:55
